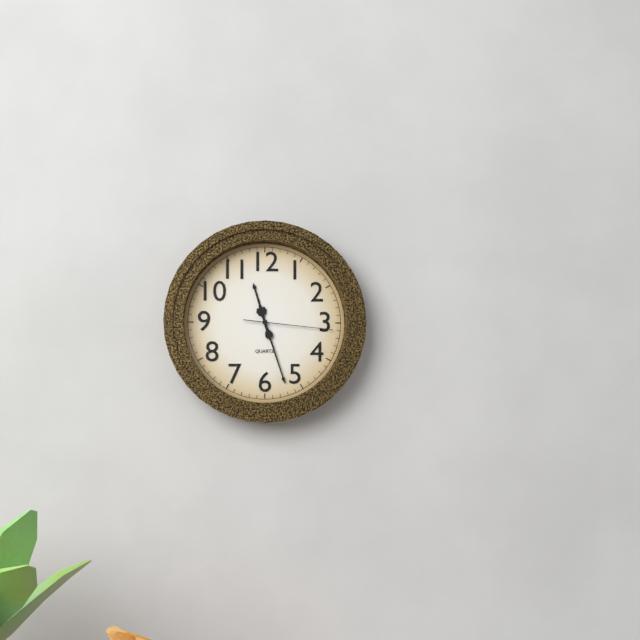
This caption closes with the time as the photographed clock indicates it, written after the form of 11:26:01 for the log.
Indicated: 11:27:16
